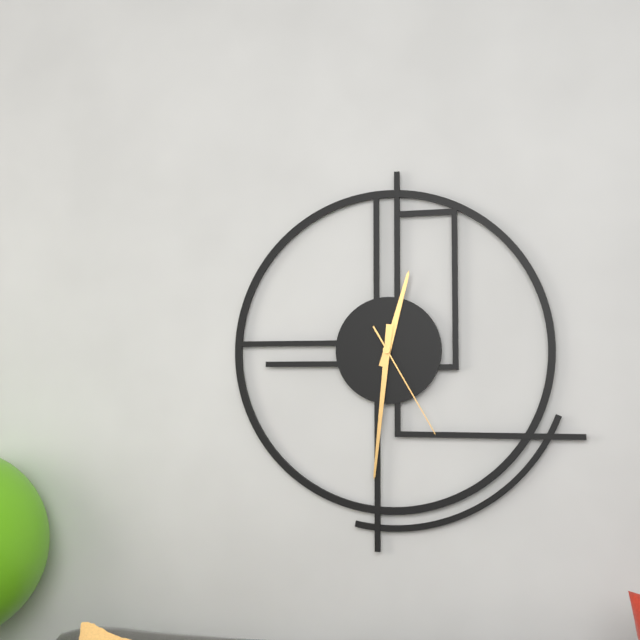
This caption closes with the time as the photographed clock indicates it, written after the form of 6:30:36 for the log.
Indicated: 12:31:25
